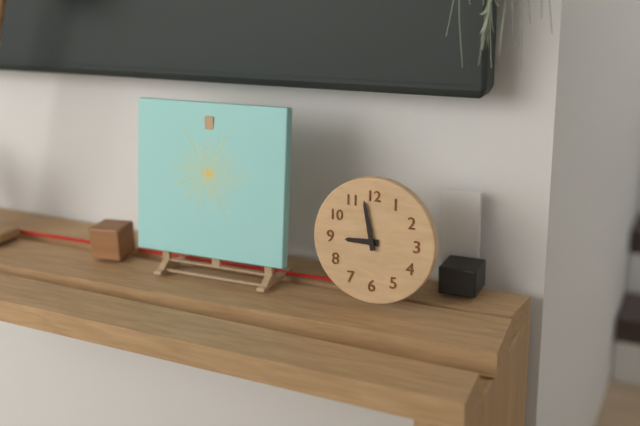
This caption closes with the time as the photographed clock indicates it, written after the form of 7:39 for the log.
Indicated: 8:58
